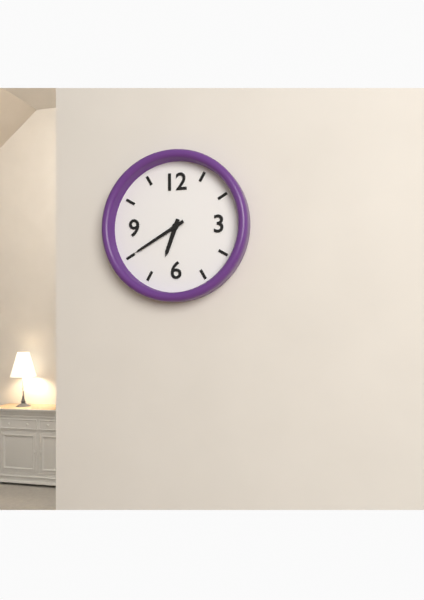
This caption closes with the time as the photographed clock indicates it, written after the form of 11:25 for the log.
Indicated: 6:40
